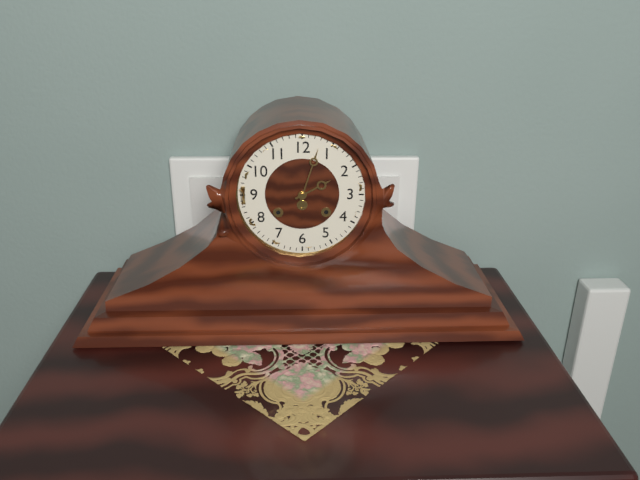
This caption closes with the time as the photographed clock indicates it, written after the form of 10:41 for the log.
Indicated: 2:03
